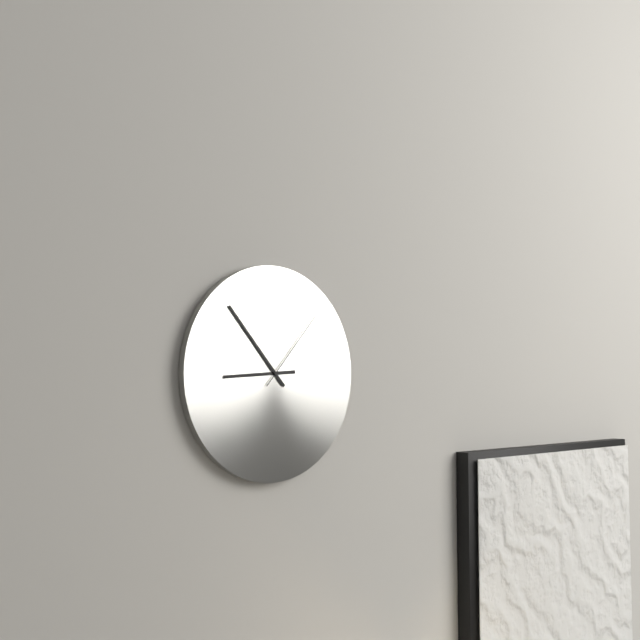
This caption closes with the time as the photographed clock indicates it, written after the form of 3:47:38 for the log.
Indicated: 8:53:07
